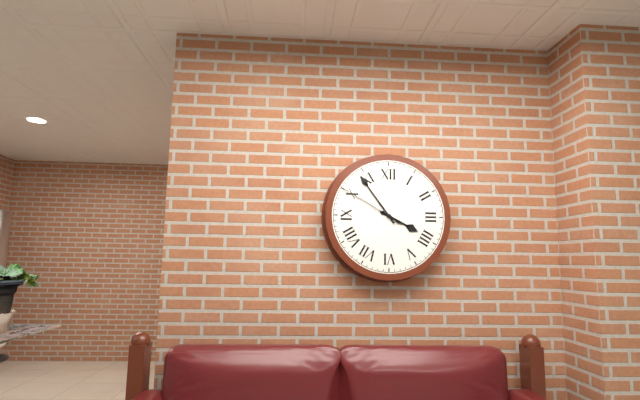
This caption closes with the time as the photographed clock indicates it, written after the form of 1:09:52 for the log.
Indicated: 3:54:50
